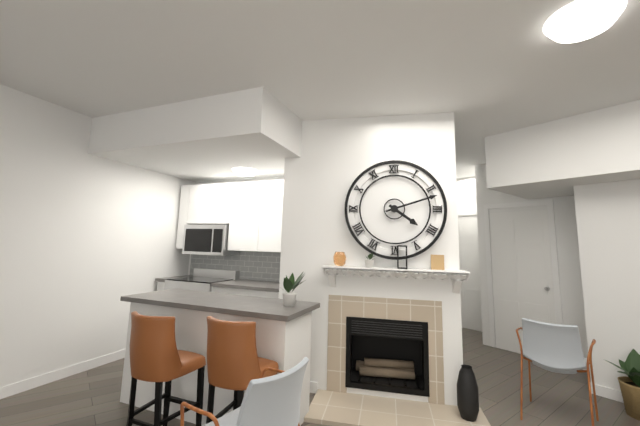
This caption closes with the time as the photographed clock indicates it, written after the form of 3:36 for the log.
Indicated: 4:12
